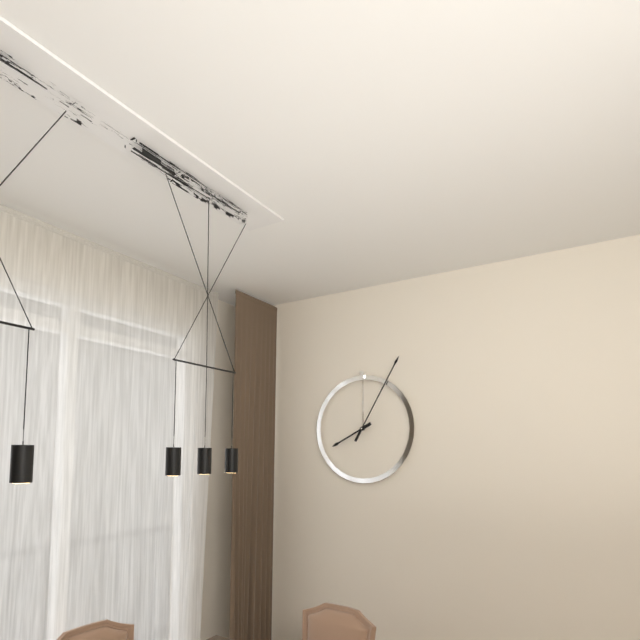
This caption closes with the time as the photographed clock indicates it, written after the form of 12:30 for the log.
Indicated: 8:05
